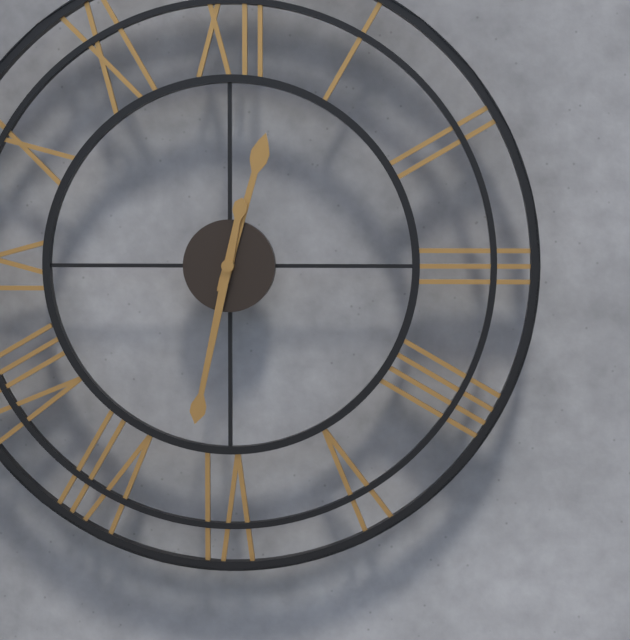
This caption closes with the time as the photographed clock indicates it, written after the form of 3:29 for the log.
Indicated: 12:32
